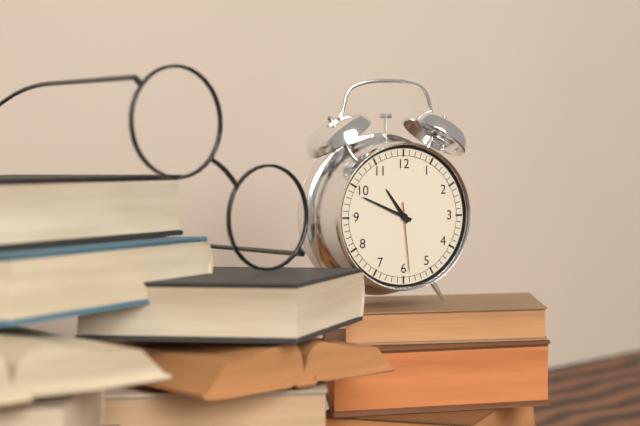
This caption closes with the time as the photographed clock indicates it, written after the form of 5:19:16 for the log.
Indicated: 10:49:29
